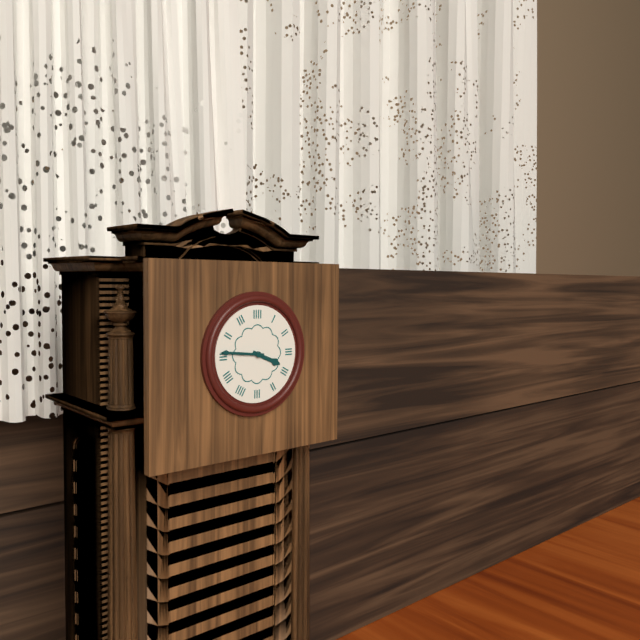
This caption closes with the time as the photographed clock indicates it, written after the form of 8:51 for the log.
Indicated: 3:46
